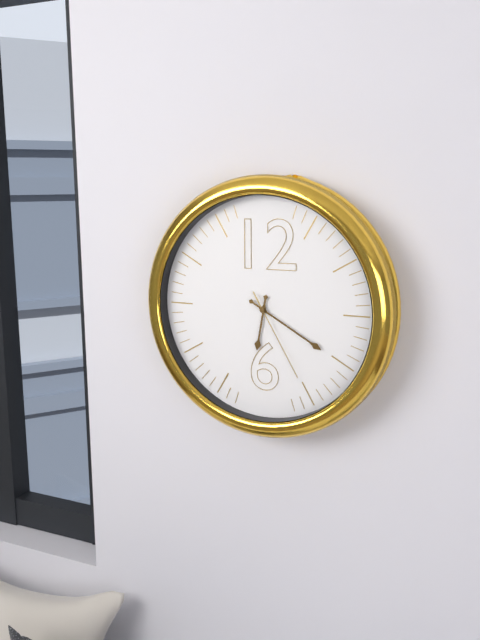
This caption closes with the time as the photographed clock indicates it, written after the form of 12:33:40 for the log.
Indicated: 6:20:25
